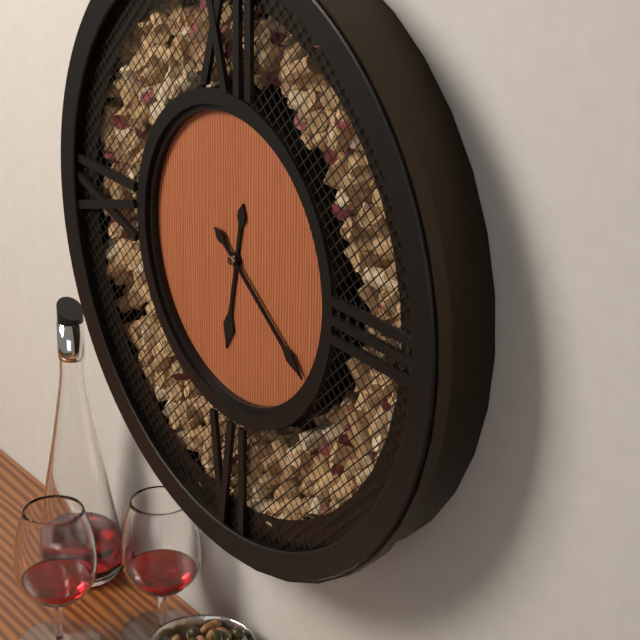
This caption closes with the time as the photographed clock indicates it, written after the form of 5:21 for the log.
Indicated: 6:21
